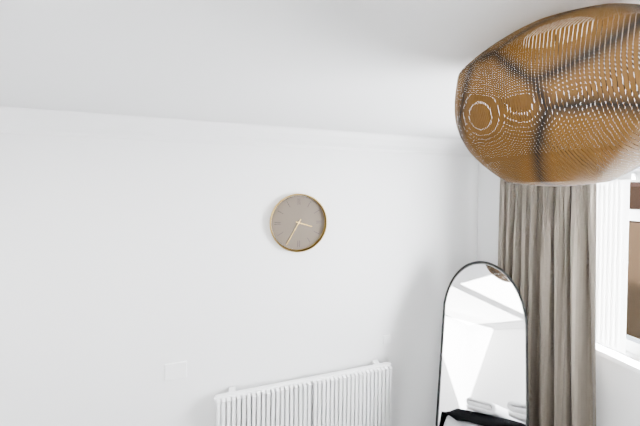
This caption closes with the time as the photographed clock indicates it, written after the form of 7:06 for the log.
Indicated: 3:35
